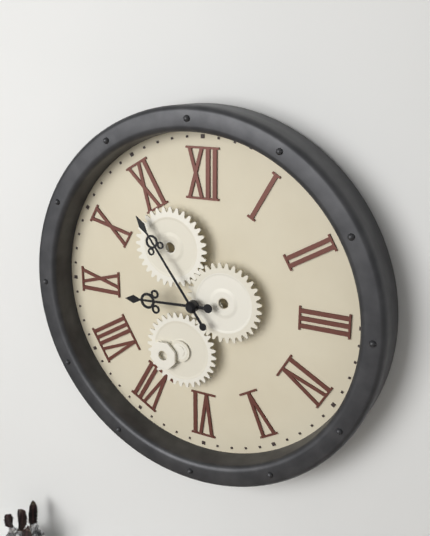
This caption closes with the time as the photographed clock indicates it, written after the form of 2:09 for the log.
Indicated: 8:54
